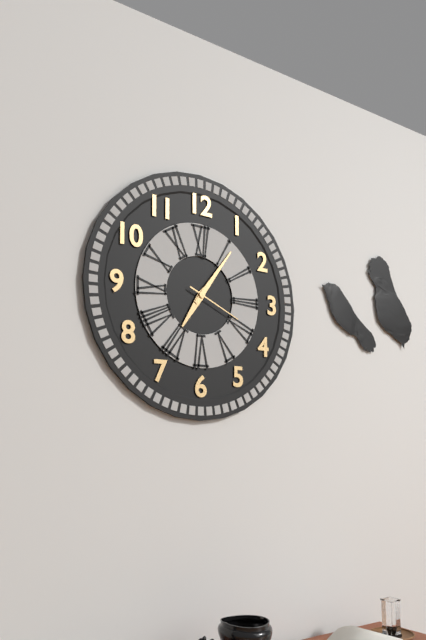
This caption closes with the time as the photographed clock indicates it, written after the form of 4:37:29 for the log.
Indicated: 7:06:19
